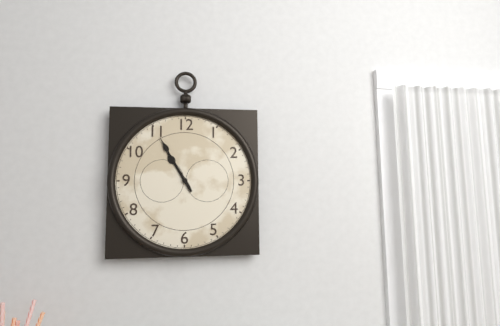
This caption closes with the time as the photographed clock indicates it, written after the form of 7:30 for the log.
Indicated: 10:55
